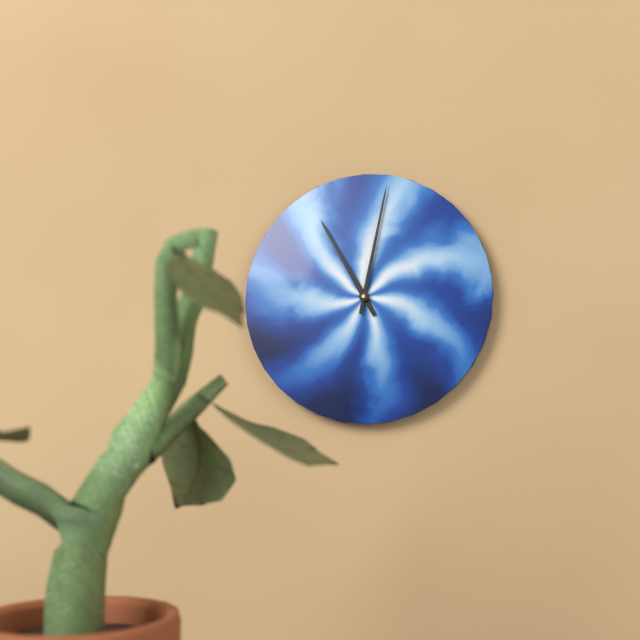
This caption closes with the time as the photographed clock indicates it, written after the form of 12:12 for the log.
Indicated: 11:02
